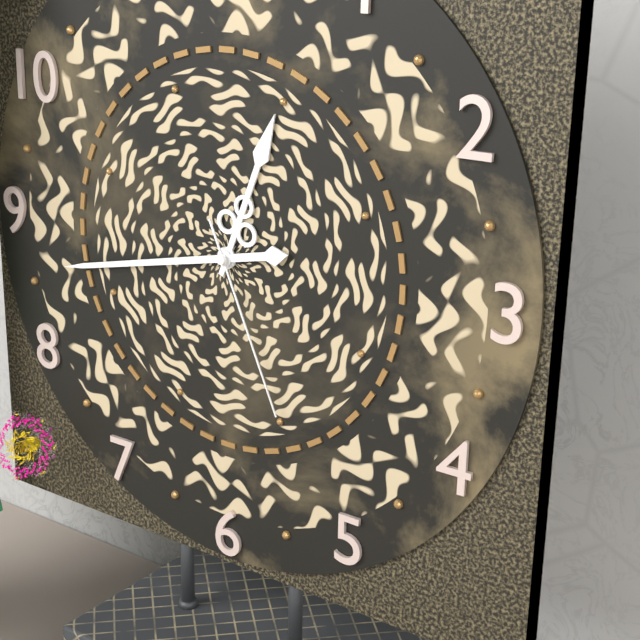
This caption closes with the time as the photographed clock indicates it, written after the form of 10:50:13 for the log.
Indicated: 12:43:26
